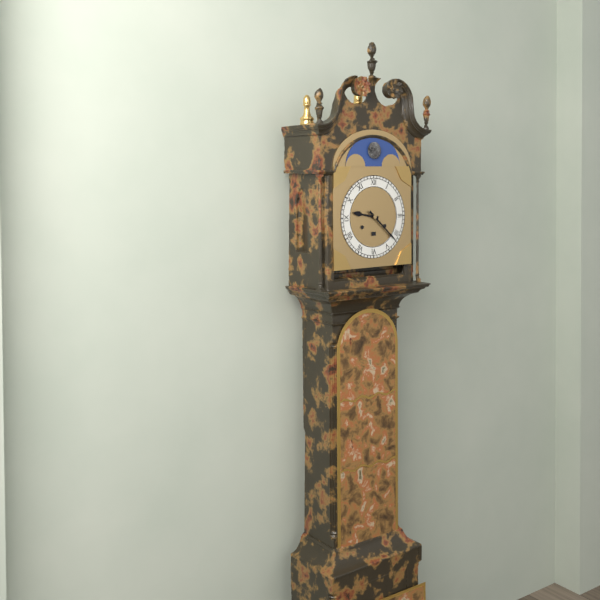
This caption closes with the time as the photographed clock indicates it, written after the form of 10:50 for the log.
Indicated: 9:22
